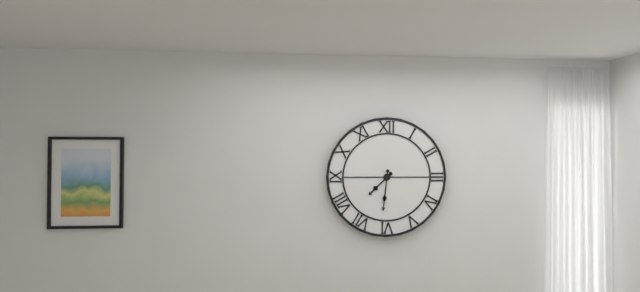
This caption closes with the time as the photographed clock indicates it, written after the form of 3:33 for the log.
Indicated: 7:31
